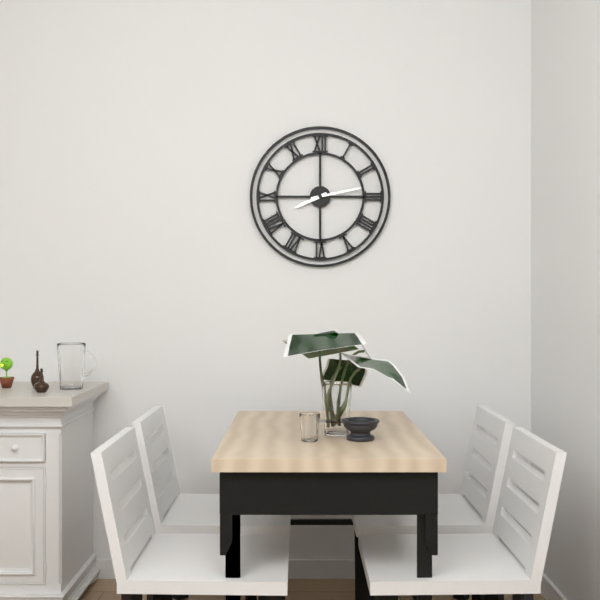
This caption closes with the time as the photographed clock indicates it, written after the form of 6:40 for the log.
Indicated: 8:13
